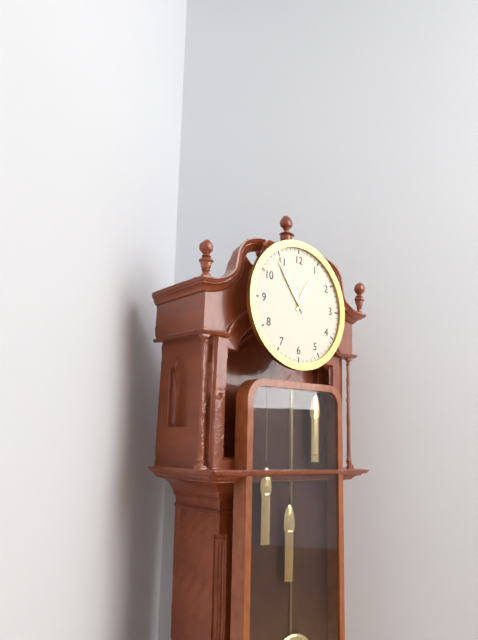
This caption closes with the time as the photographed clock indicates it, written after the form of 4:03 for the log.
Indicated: 12:54
